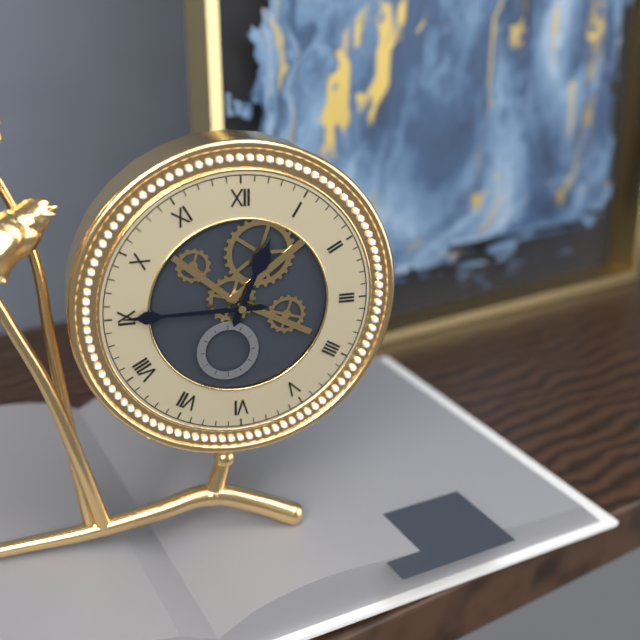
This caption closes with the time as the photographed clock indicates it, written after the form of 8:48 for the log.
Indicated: 12:45
